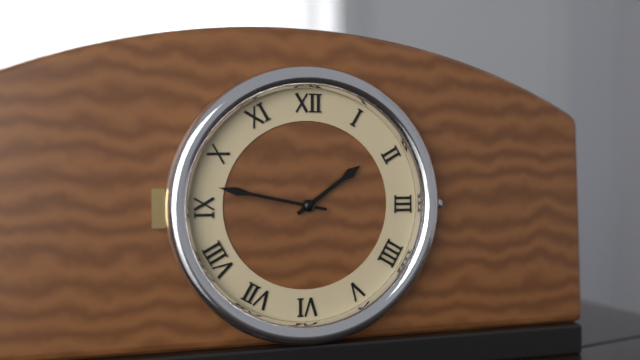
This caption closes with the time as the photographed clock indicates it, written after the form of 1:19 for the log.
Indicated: 1:47
